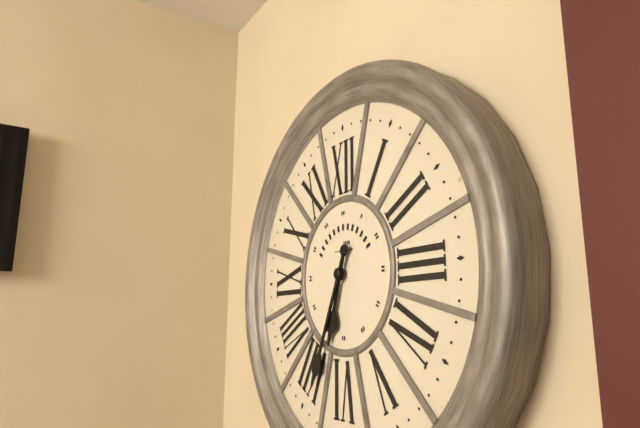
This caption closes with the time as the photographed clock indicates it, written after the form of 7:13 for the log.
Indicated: 6:34
